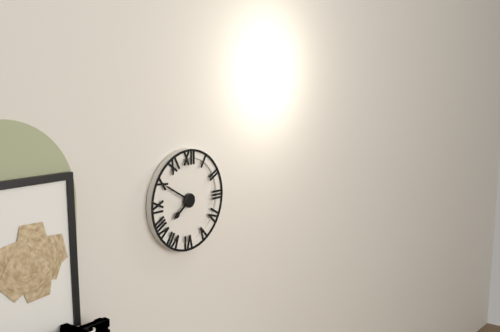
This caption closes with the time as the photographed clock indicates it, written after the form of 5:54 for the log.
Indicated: 7:50
